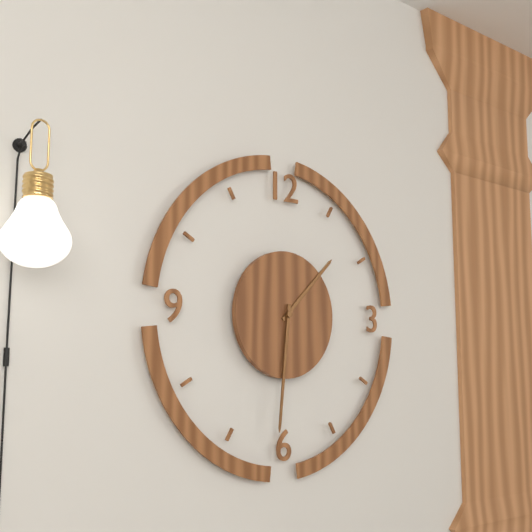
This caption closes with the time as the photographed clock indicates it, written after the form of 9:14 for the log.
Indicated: 1:31
